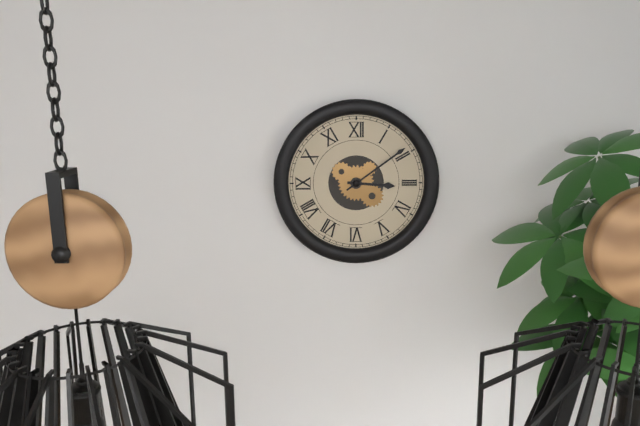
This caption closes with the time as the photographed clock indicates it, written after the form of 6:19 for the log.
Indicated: 3:09
